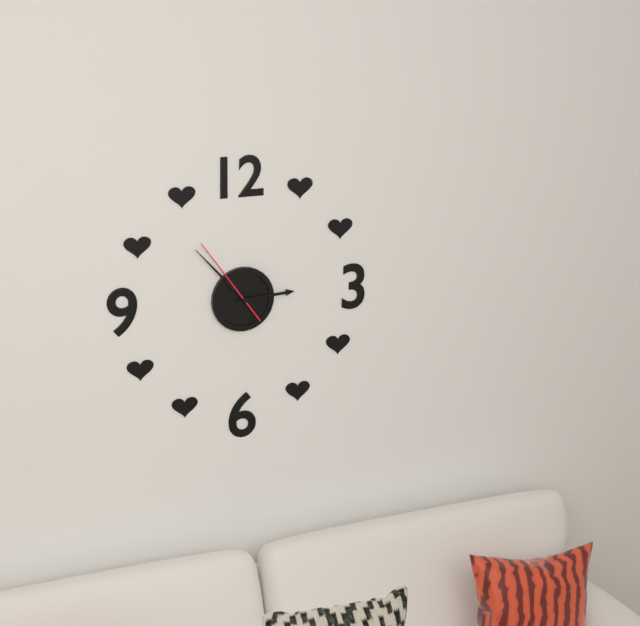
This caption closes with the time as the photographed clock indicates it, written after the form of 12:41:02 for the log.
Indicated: 2:53:54
